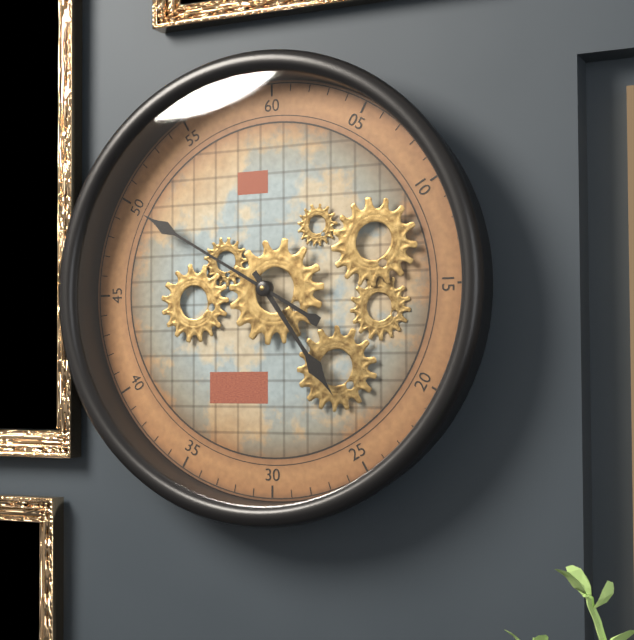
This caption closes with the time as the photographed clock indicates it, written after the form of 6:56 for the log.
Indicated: 4:50
